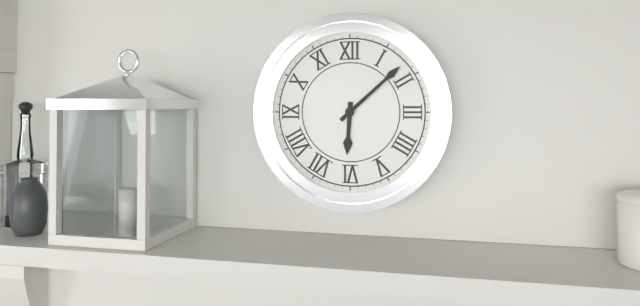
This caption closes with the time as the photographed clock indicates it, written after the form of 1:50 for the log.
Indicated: 6:08
